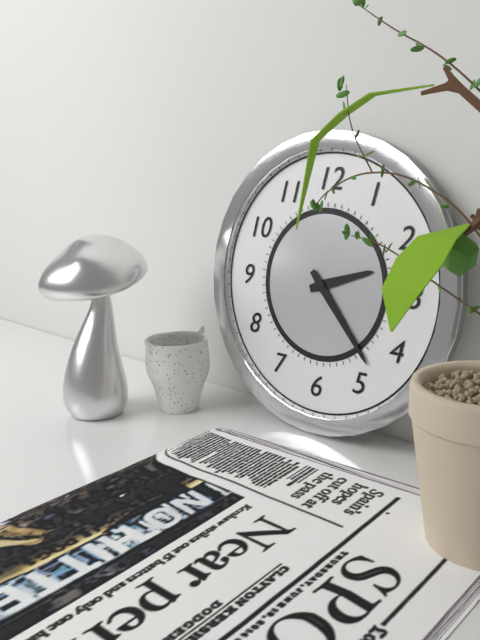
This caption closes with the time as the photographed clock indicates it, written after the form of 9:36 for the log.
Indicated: 2:23
